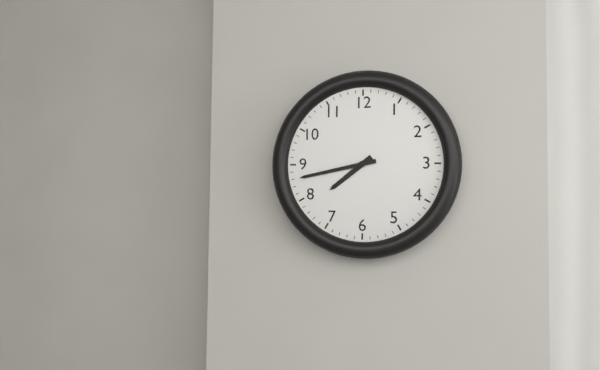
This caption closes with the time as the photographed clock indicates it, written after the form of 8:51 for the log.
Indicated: 7:43
